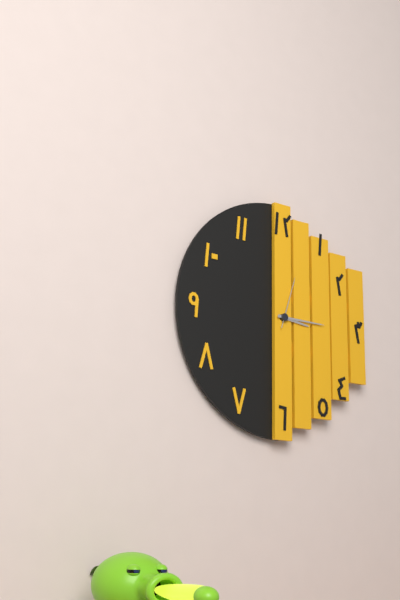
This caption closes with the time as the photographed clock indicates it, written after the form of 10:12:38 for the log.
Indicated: 3:15:03
